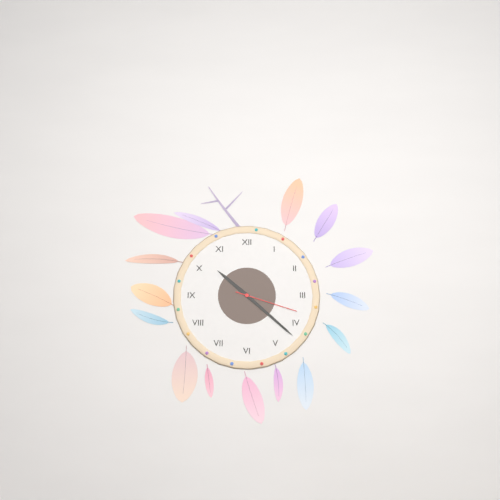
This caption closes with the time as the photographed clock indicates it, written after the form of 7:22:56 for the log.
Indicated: 10:22:18
